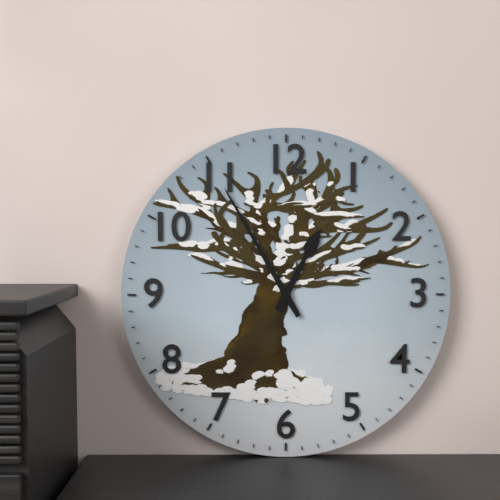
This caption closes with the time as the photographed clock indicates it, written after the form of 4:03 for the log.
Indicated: 12:55
